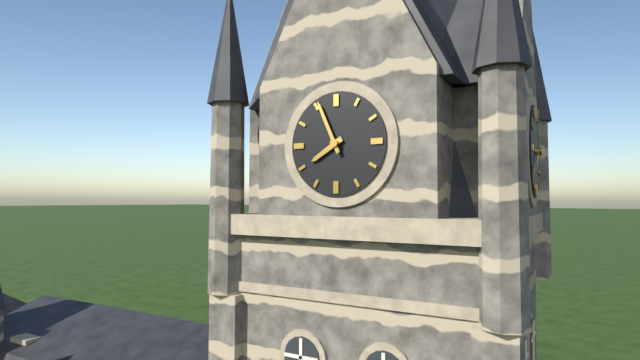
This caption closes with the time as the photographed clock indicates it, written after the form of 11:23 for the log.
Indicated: 7:56
